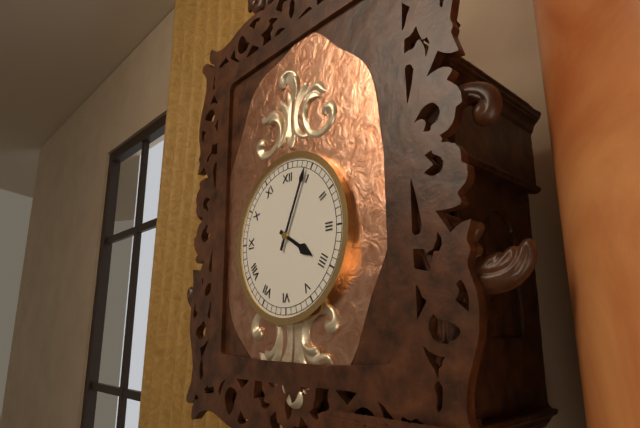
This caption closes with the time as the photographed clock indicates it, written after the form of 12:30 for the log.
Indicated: 4:04
